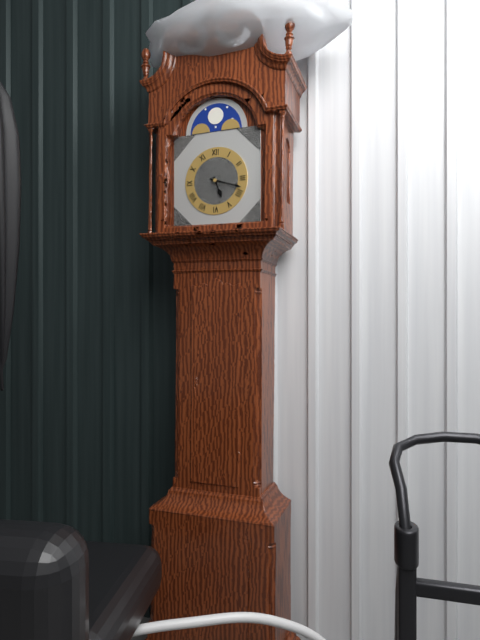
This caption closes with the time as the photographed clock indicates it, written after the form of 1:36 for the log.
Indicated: 5:18
